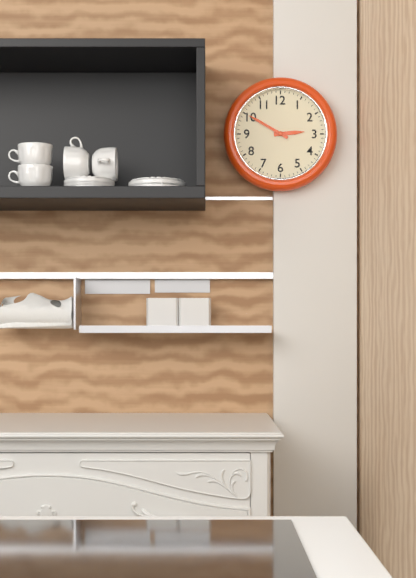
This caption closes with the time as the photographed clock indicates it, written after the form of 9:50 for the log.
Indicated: 2:50
